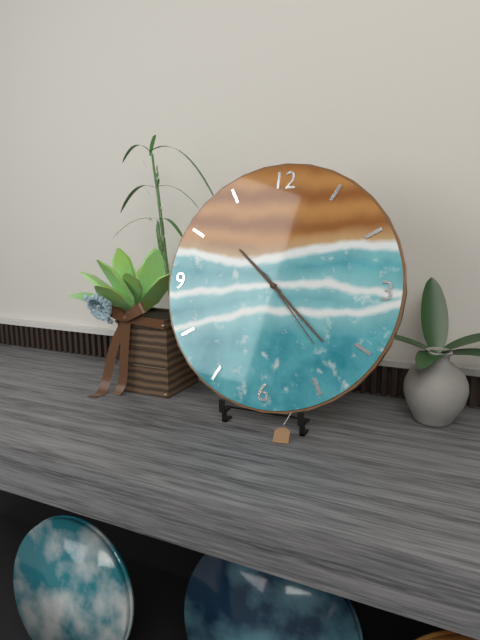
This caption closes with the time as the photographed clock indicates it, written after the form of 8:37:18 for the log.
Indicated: 10:22:23
